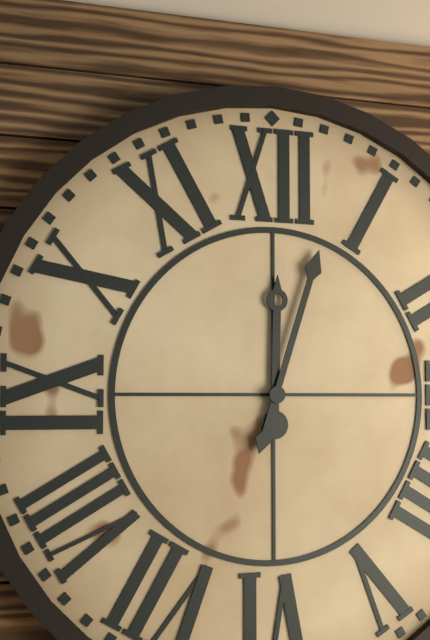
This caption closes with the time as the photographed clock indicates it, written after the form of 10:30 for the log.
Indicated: 12:03
